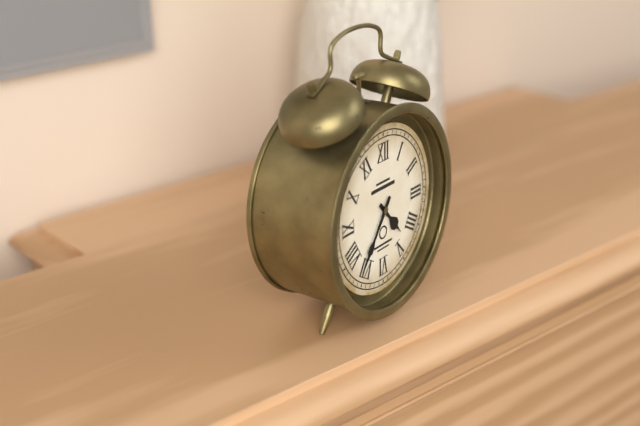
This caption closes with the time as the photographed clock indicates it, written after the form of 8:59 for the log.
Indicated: 4:36
